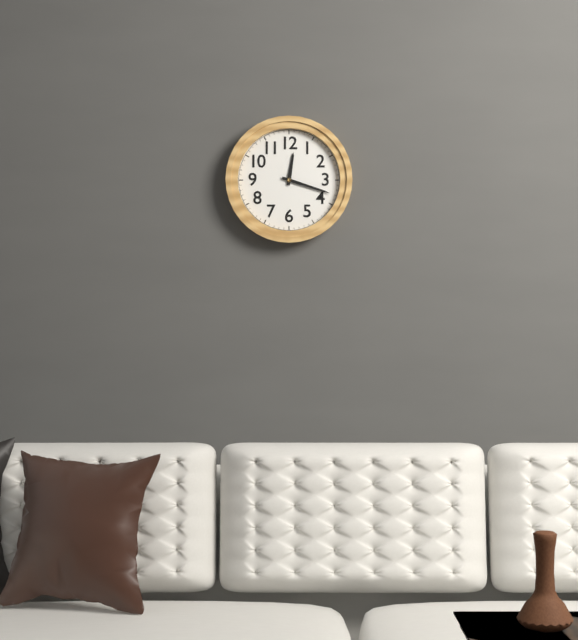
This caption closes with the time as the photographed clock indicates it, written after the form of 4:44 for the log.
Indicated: 12:18
